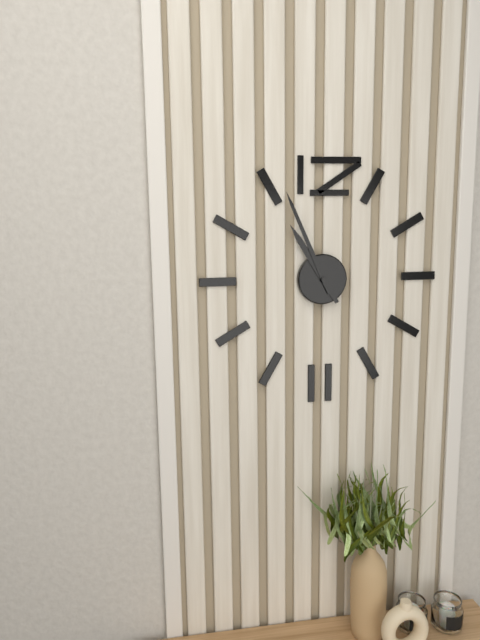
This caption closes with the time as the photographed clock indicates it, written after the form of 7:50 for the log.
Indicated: 10:56
